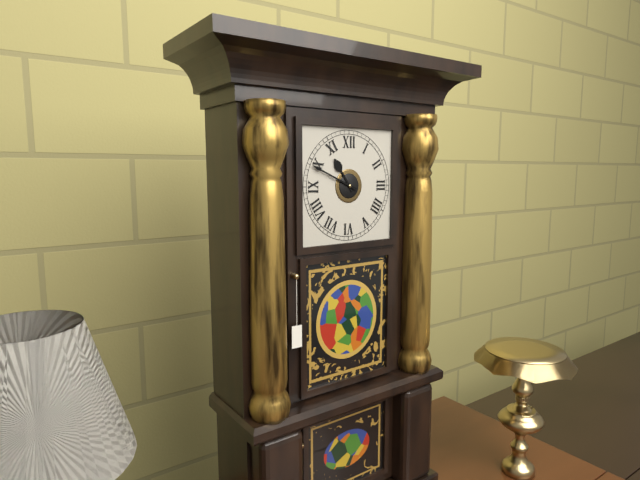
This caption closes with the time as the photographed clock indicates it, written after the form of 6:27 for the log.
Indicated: 10:49
